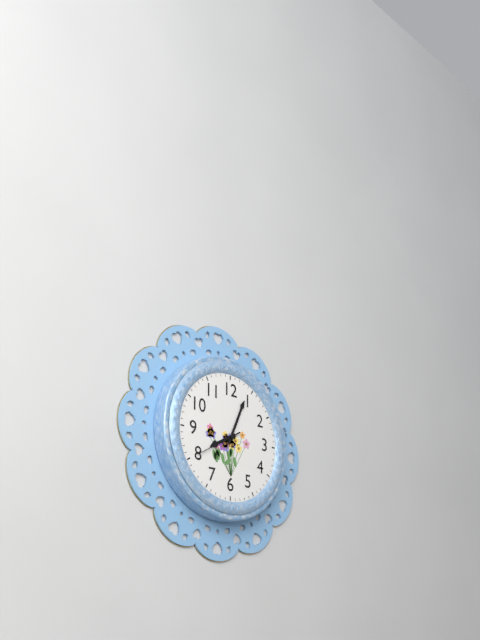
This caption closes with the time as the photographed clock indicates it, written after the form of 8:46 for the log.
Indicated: 8:04
